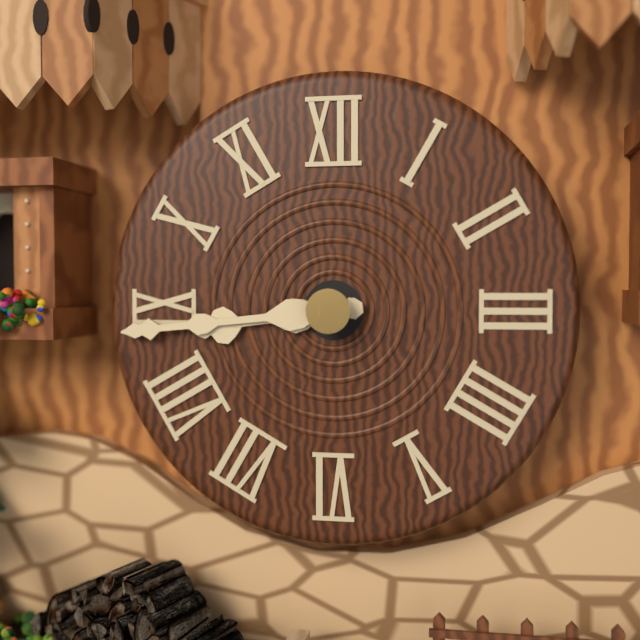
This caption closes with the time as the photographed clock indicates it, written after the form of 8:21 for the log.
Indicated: 8:44
